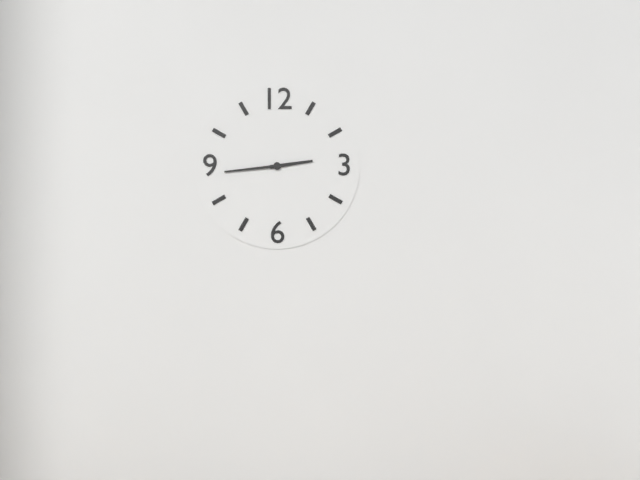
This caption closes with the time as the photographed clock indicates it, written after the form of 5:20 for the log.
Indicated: 2:44
